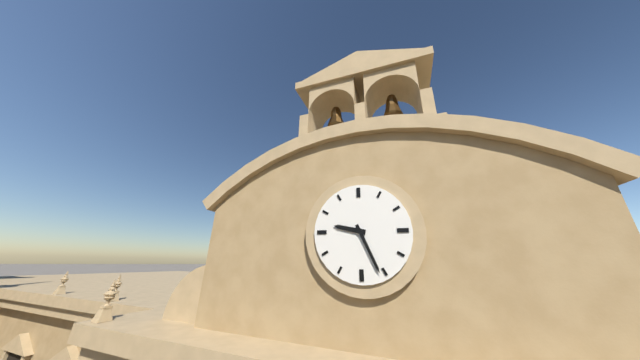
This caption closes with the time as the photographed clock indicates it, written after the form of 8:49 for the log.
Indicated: 9:26
